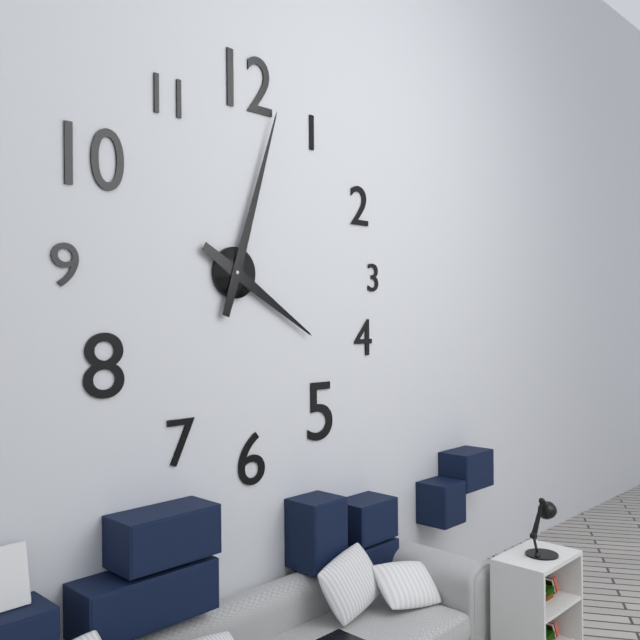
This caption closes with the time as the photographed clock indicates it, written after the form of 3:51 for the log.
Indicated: 4:03
